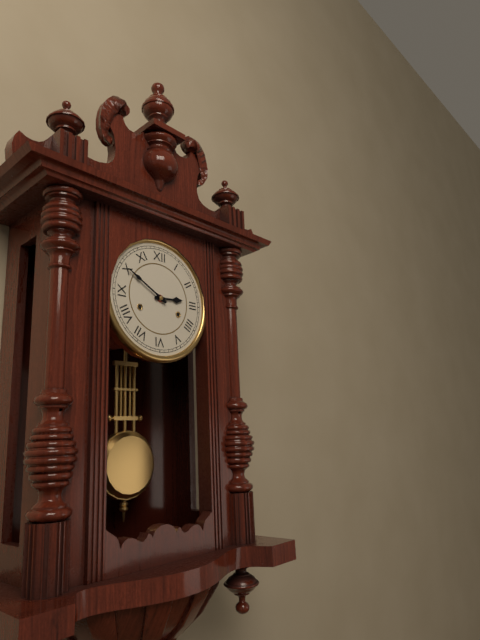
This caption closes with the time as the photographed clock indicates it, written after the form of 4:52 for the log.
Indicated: 2:50
